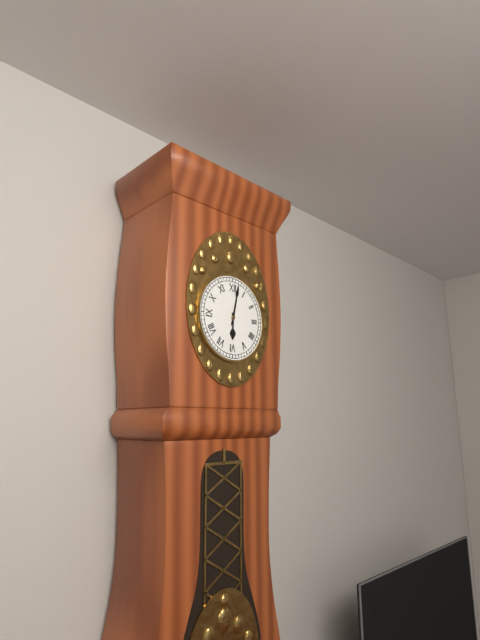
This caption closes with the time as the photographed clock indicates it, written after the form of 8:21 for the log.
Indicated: 6:02
